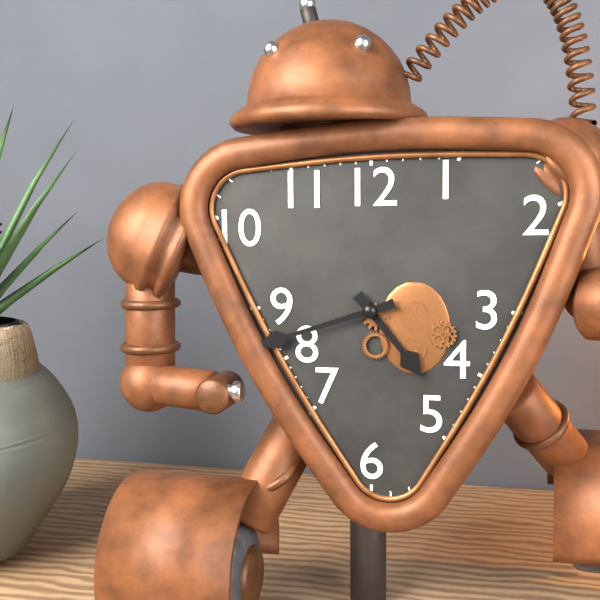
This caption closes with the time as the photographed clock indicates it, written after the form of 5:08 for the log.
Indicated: 4:42
